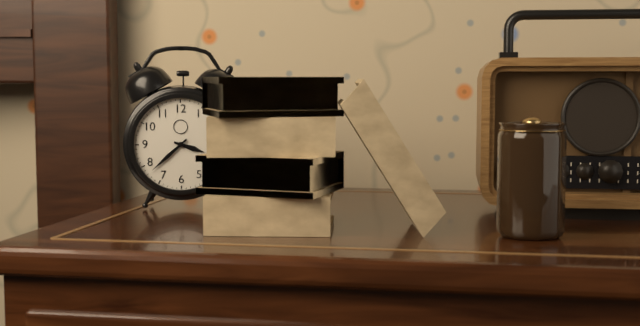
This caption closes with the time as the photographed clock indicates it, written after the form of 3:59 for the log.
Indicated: 3:38
